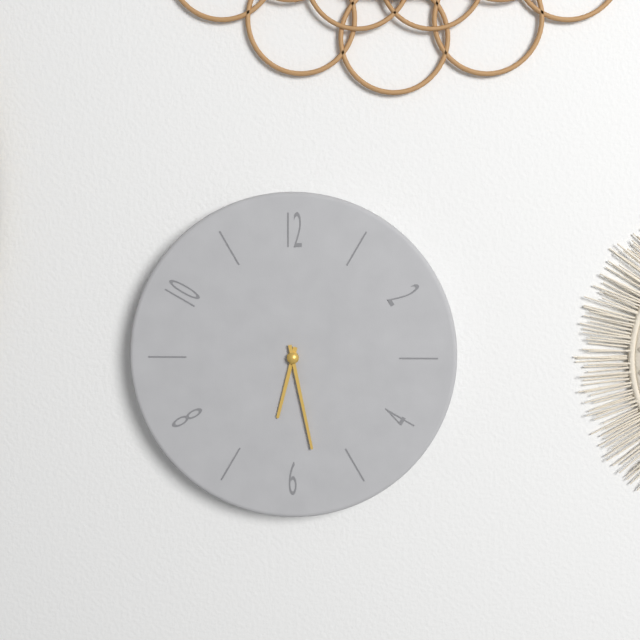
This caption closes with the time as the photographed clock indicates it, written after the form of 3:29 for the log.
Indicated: 6:28
